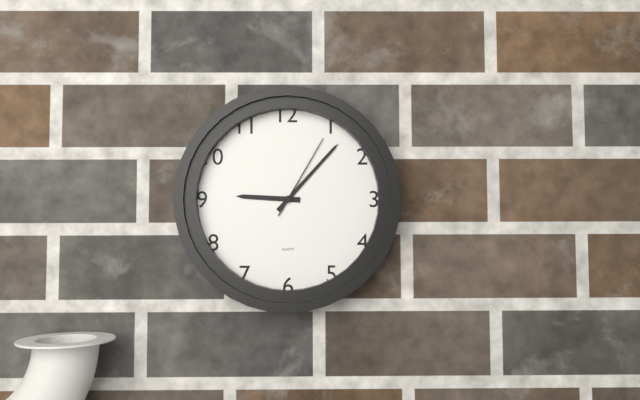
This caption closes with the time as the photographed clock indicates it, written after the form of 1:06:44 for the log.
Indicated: 9:07:05
